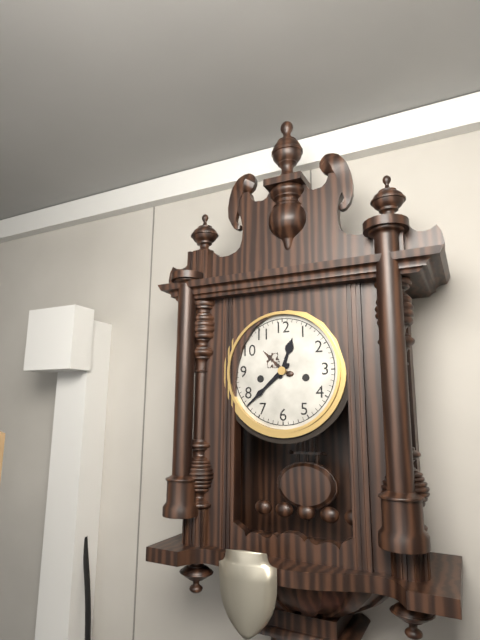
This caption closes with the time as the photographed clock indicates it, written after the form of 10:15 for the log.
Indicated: 12:38
